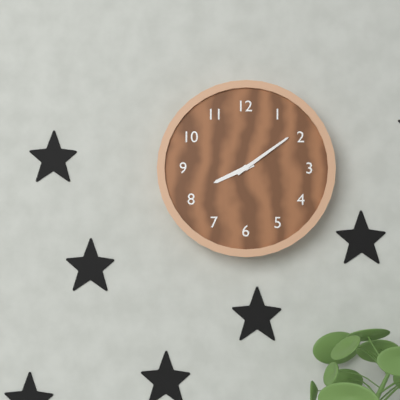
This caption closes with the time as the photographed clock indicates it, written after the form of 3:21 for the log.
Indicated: 8:09
